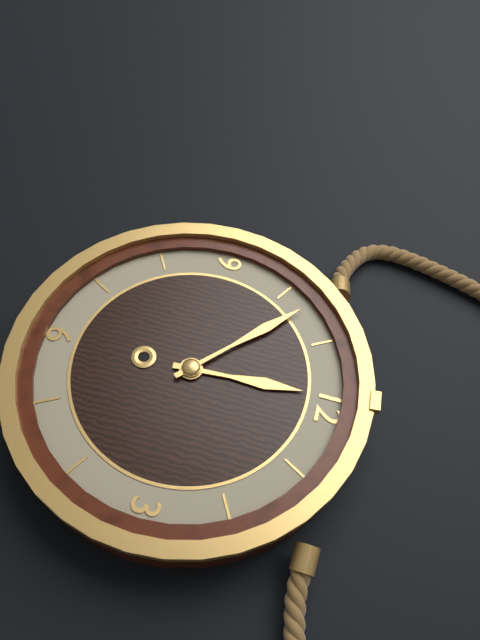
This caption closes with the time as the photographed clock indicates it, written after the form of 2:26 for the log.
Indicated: 11:52
